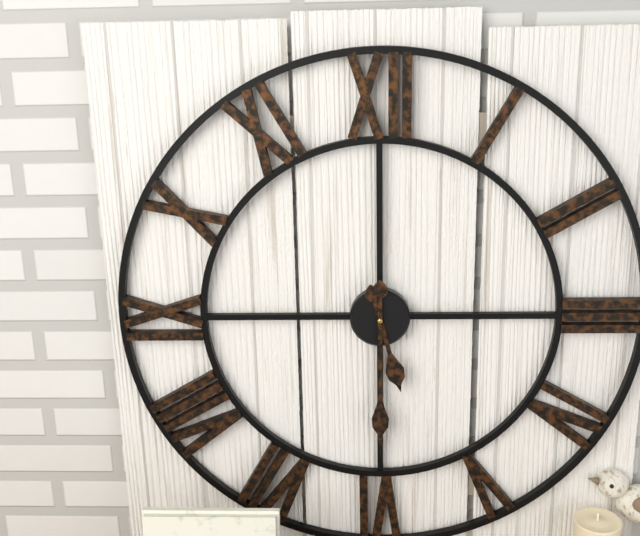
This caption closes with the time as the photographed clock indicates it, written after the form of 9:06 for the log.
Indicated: 5:30
